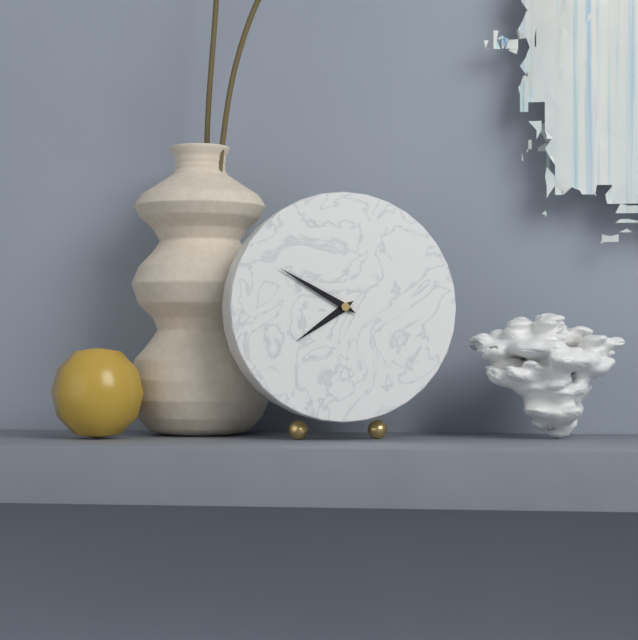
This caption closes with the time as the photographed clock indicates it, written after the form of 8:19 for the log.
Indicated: 7:50
